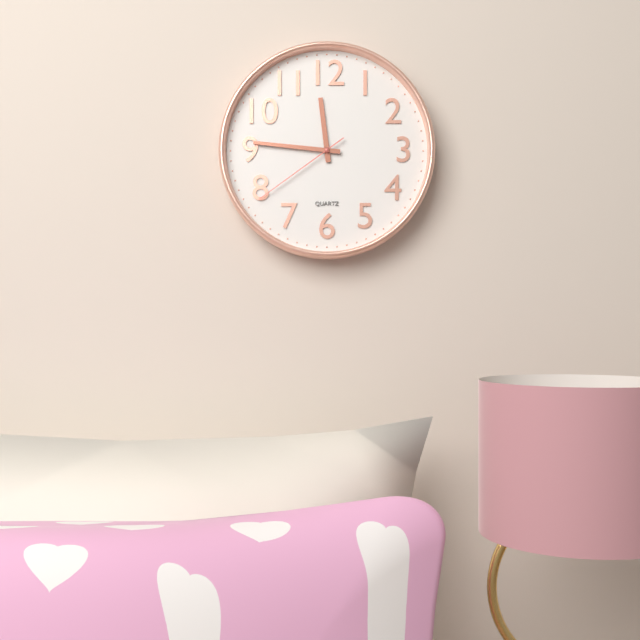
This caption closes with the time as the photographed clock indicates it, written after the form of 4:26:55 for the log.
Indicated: 11:46:39
